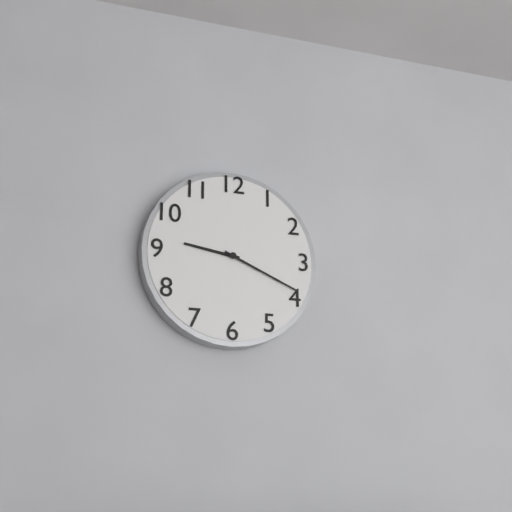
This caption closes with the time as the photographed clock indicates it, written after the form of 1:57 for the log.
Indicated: 9:19
